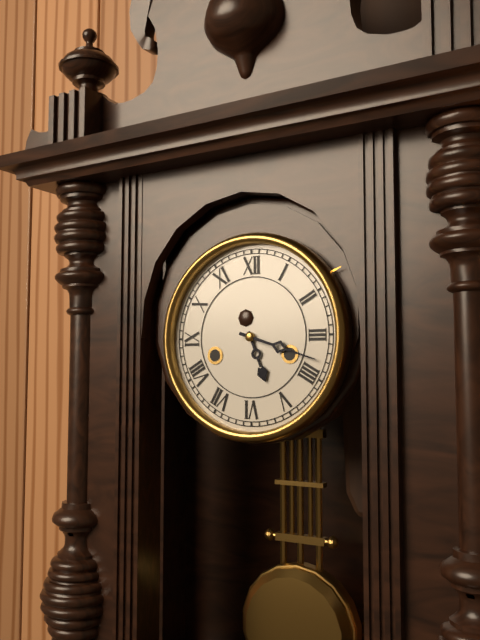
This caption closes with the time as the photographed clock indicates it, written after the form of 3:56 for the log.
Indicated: 5:18
